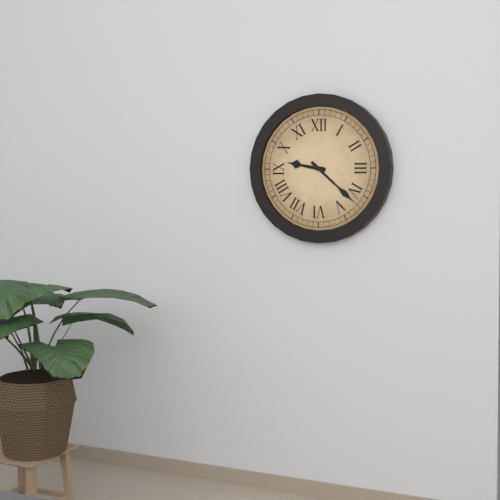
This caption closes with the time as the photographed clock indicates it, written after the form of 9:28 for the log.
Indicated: 9:22
